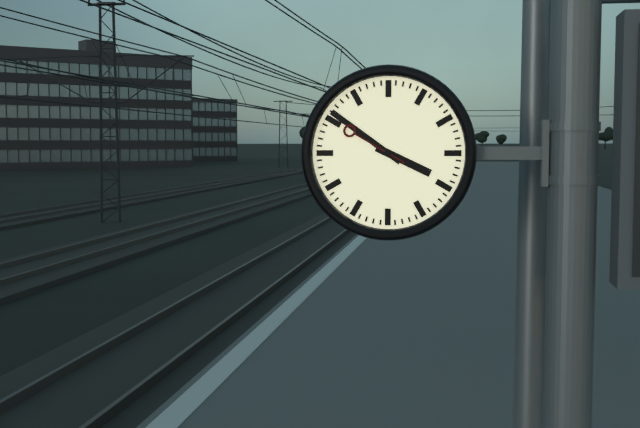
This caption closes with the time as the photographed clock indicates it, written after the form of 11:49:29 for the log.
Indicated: 3:51:50
